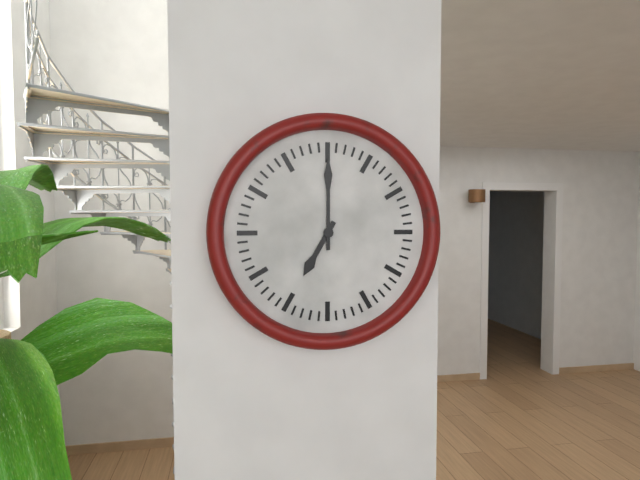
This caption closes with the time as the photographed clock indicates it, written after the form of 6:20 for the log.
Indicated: 7:00
